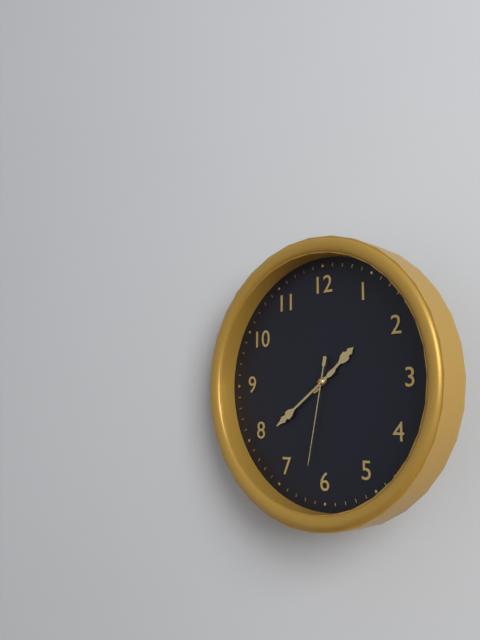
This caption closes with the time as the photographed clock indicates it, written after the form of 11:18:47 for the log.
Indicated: 1:39:32
